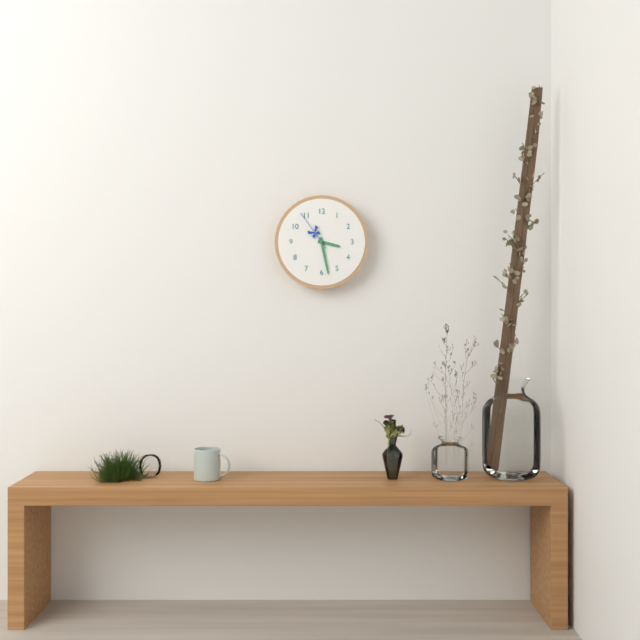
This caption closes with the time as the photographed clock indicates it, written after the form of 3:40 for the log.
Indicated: 3:28
